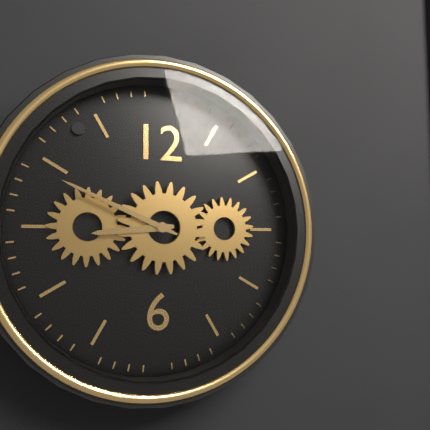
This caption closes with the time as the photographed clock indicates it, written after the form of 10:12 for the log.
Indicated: 8:49
